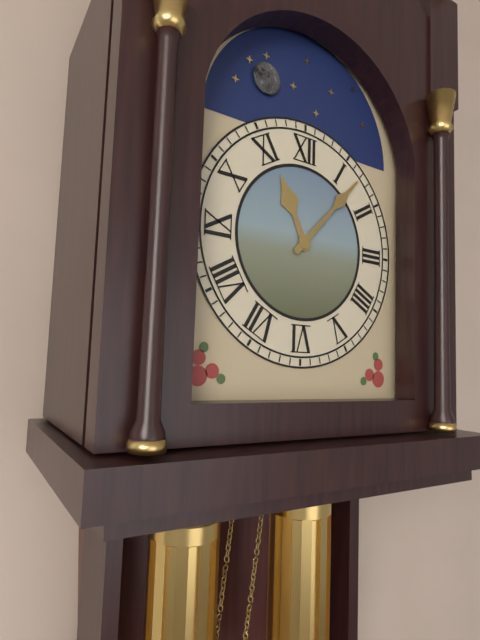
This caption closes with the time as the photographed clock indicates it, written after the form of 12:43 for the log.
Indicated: 11:07
